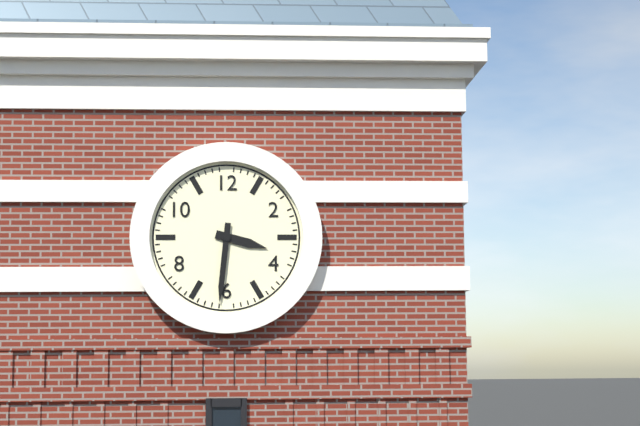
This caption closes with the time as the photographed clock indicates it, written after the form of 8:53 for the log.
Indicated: 3:31
